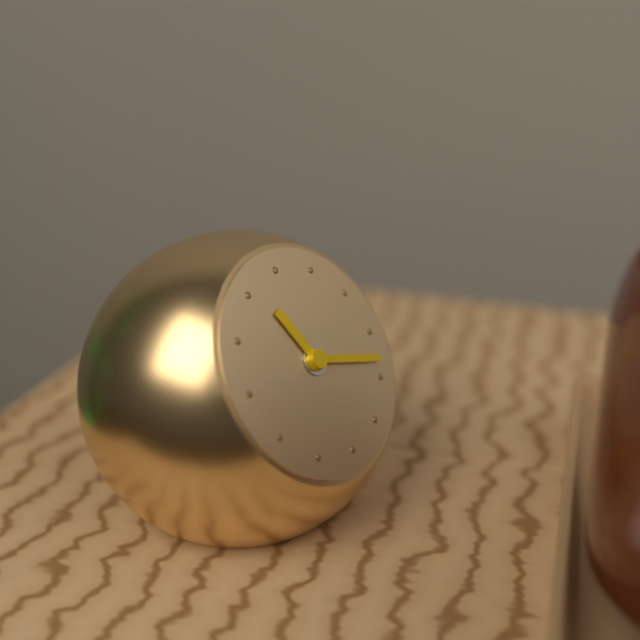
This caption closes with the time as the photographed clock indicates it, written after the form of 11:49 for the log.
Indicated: 11:18
